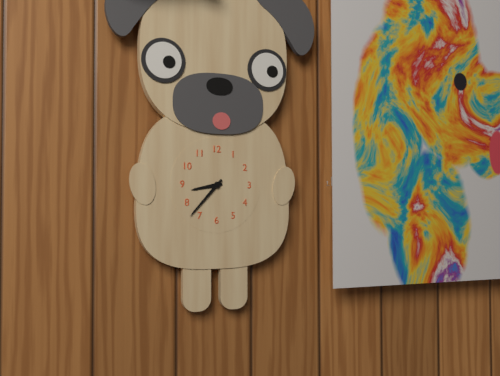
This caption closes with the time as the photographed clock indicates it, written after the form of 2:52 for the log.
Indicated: 8:37
